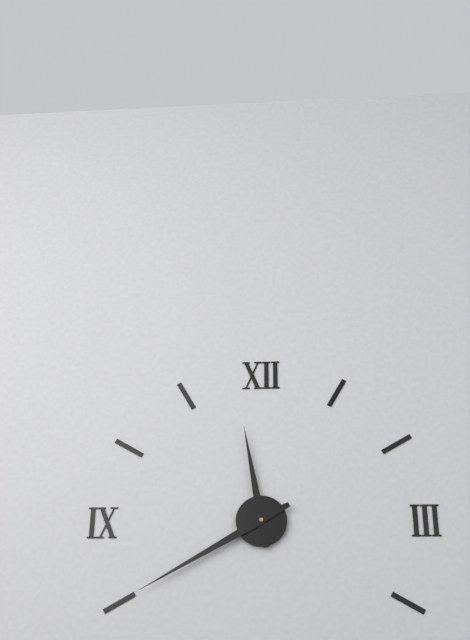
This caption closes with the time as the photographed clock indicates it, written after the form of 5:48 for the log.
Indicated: 11:40
